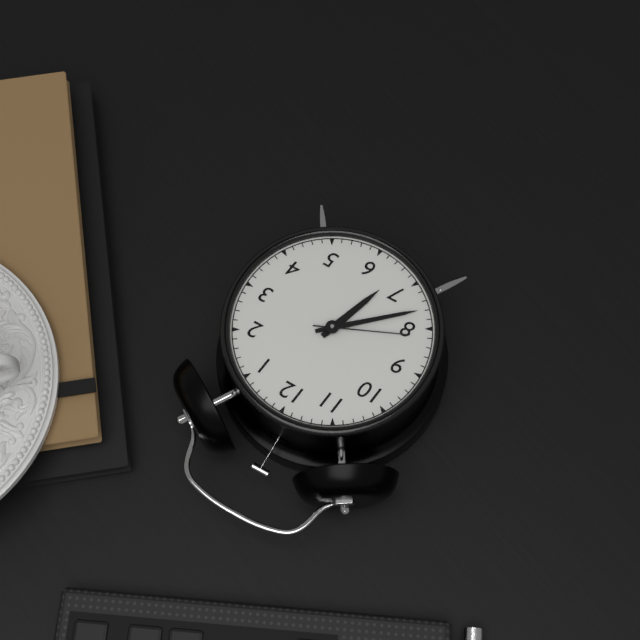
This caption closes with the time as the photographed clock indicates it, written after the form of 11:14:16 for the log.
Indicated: 6:38:41
